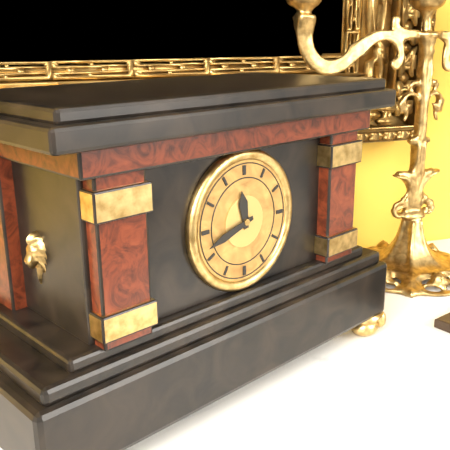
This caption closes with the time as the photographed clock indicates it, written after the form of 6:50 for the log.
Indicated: 11:42
